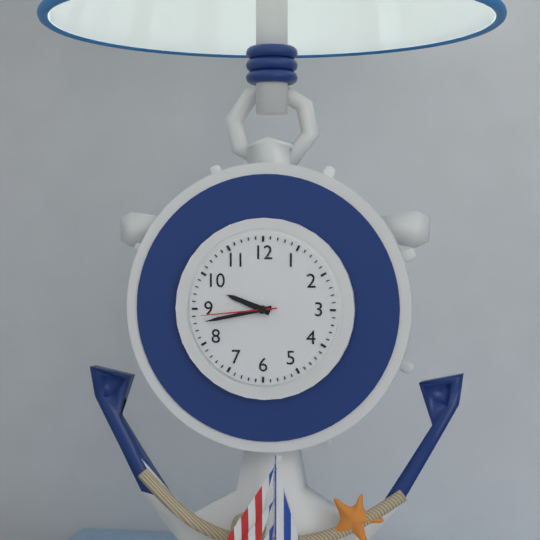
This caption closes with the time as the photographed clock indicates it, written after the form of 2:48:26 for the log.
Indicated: 9:43:44
